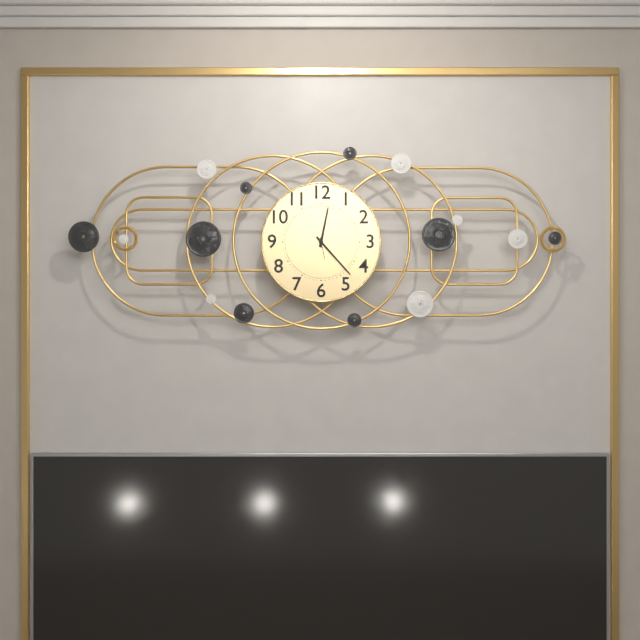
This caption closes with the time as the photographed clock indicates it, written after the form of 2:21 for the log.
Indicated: 12:23
